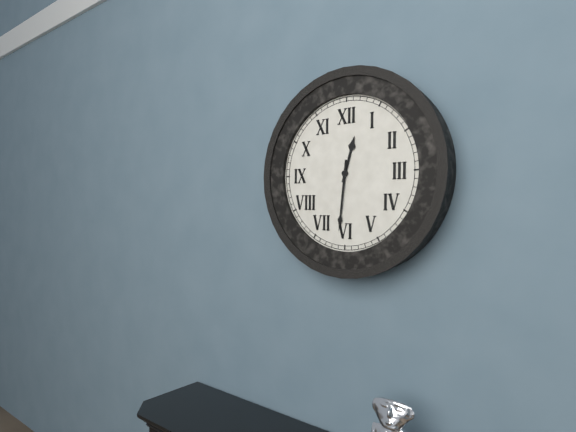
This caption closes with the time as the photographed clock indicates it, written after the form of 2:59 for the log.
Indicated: 12:31
